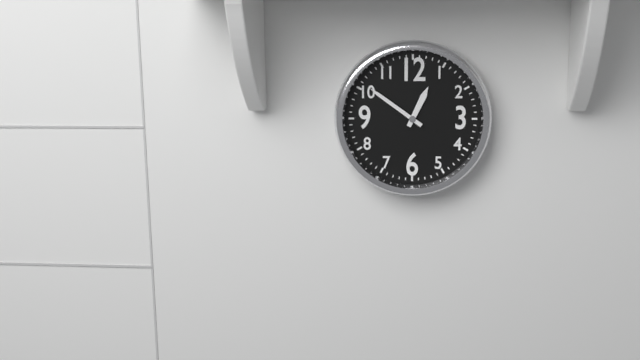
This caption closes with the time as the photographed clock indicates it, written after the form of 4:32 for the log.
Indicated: 12:51
